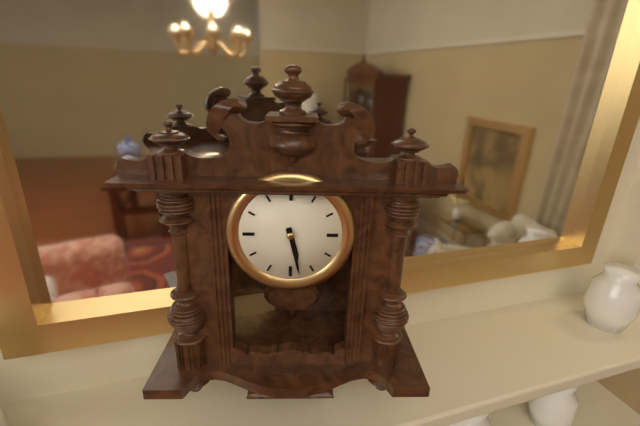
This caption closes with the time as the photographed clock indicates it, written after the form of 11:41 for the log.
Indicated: 5:28
